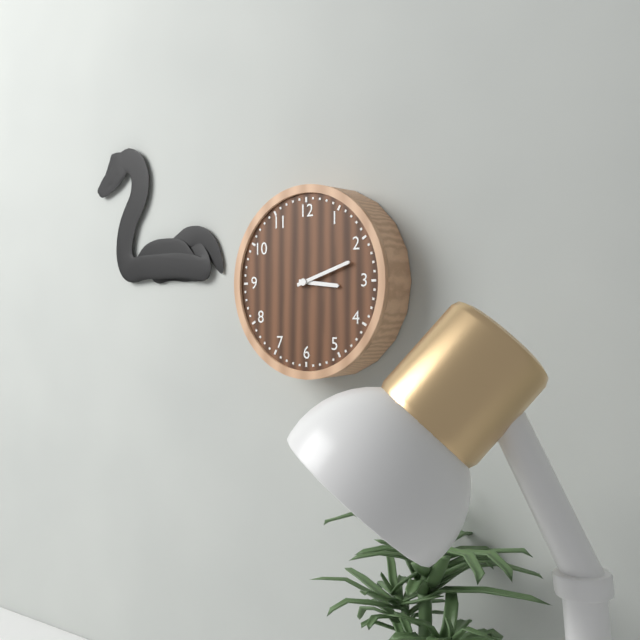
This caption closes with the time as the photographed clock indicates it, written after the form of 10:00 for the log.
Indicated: 3:12
